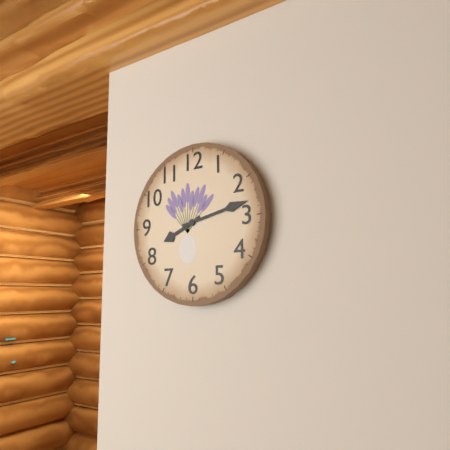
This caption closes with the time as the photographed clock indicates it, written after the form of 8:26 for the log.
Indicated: 8:13
